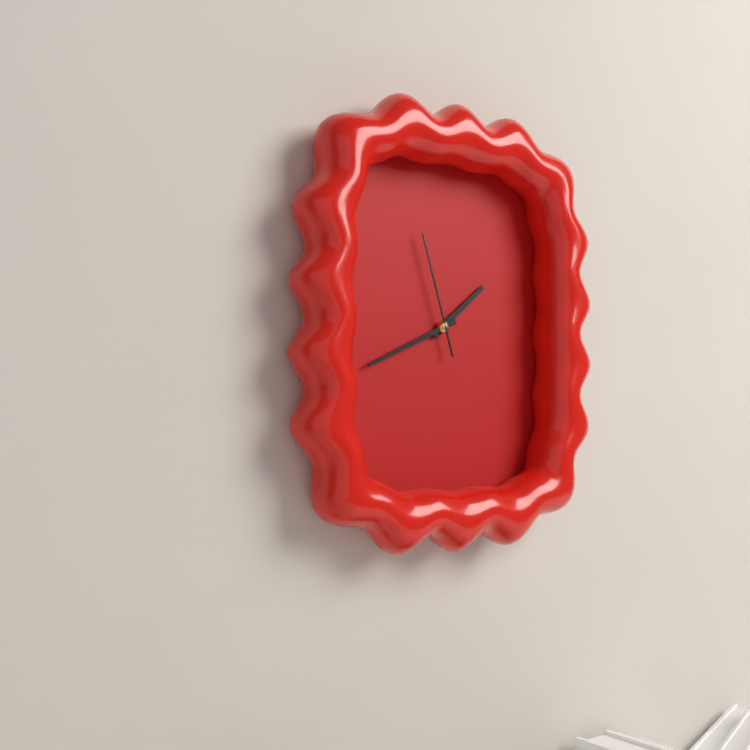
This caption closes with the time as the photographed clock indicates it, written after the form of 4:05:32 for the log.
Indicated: 1:41:57
